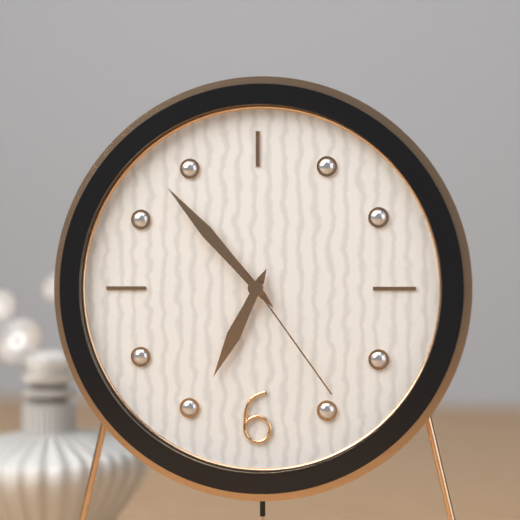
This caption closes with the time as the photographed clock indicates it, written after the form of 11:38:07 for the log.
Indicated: 6:53:24
